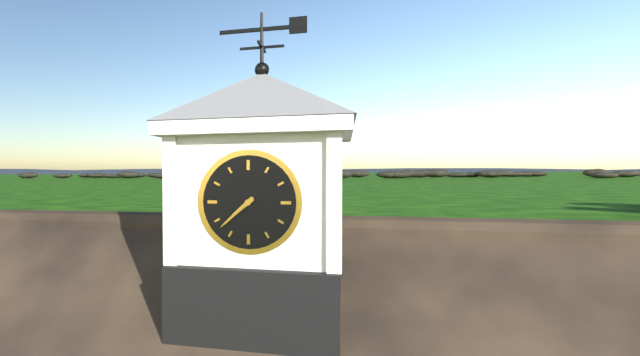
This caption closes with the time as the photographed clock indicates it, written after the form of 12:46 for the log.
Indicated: 7:38
